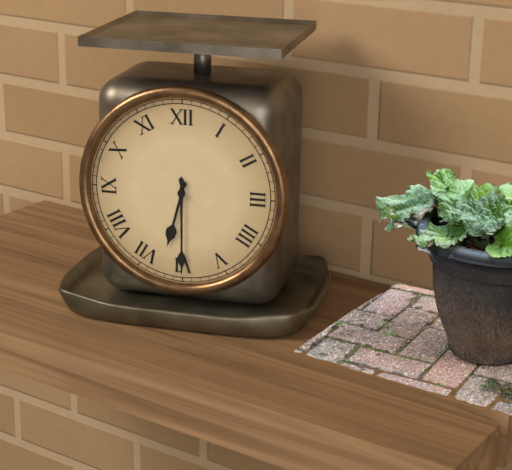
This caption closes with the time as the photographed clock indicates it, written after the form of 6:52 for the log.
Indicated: 6:30
